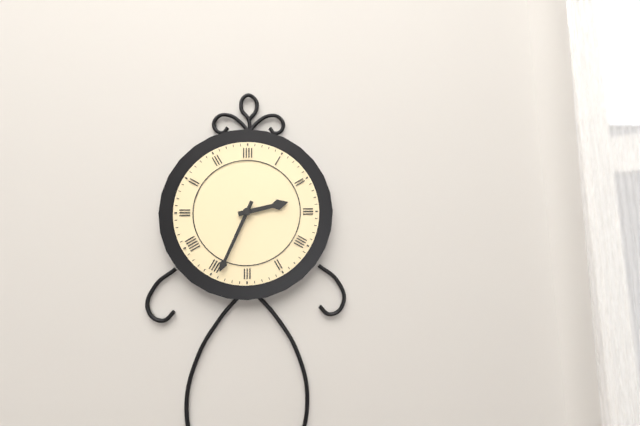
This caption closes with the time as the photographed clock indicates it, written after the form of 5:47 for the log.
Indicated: 2:34
